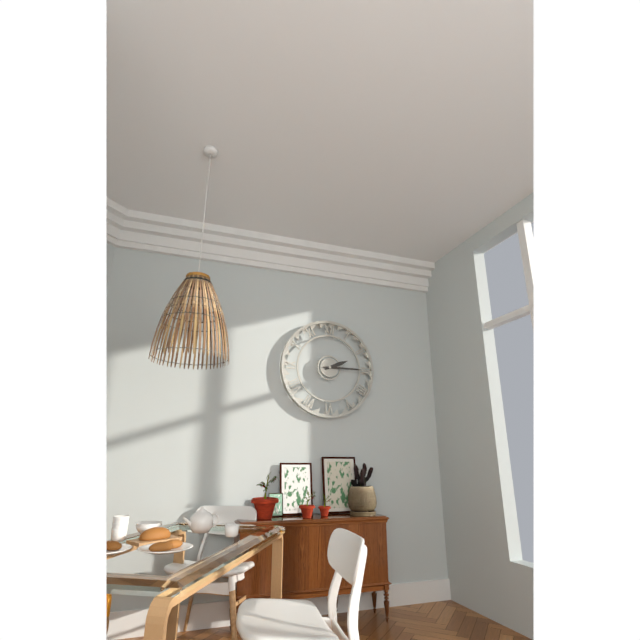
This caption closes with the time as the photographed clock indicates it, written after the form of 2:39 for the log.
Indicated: 2:15
